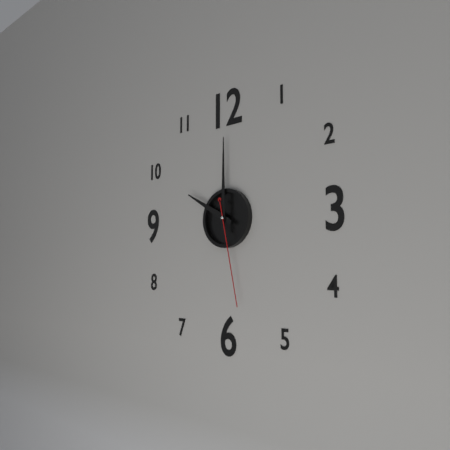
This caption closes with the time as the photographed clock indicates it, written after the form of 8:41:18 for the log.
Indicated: 10:00:28
